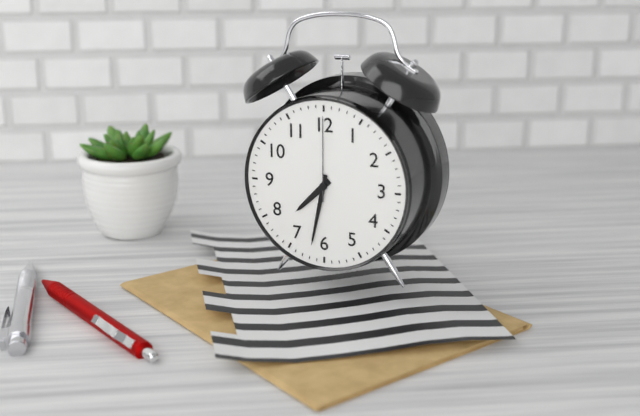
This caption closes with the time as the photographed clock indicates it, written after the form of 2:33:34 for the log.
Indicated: 7:32:00
